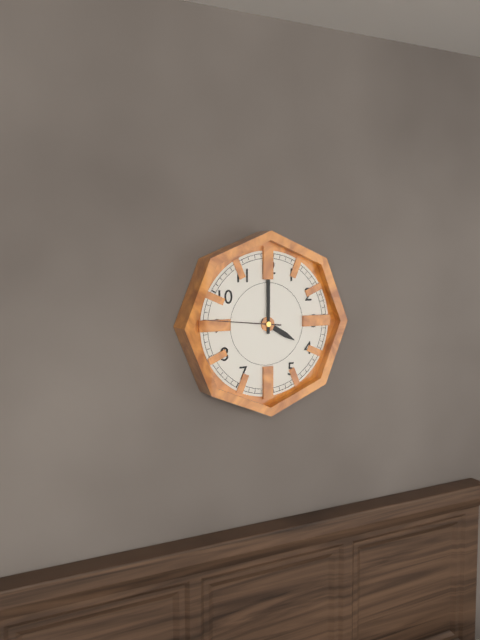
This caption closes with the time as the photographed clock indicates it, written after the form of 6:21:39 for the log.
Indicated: 4:00:46
